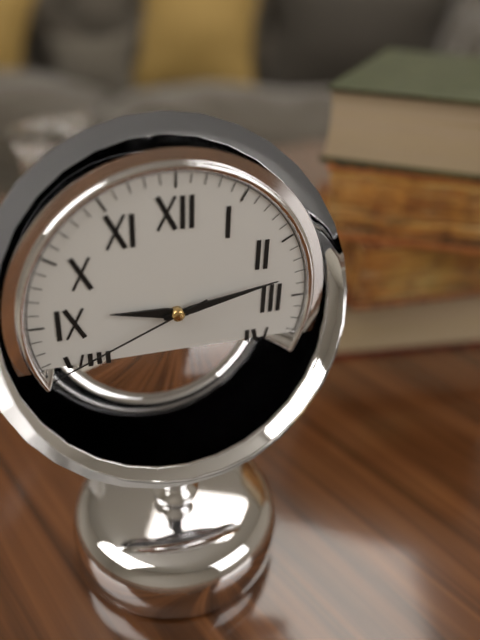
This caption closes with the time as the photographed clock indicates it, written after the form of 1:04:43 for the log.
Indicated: 9:13:41
